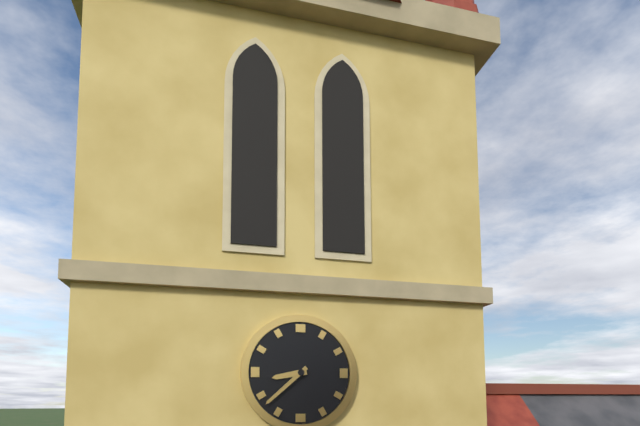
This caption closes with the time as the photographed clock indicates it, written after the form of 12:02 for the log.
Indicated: 8:38
